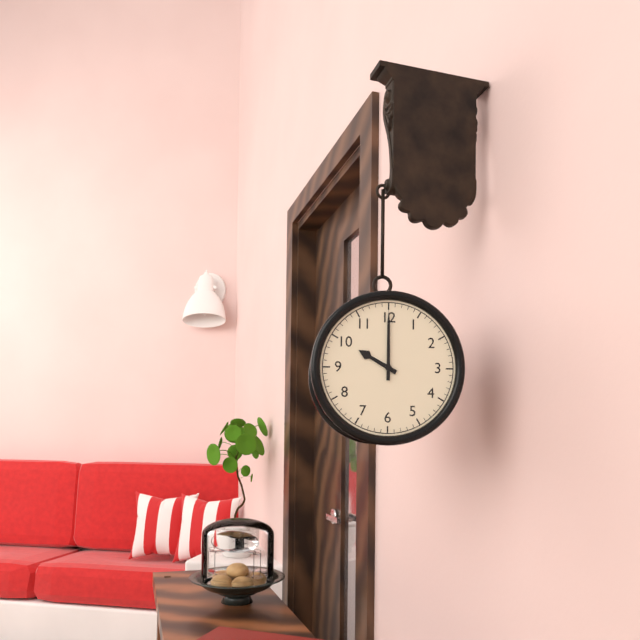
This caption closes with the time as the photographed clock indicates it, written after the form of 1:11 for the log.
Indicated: 10:00
